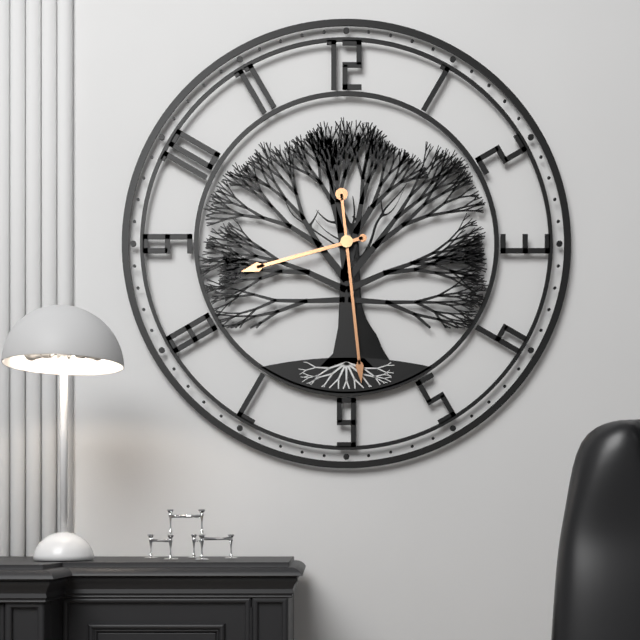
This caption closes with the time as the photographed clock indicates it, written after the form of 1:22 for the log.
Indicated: 8:29
